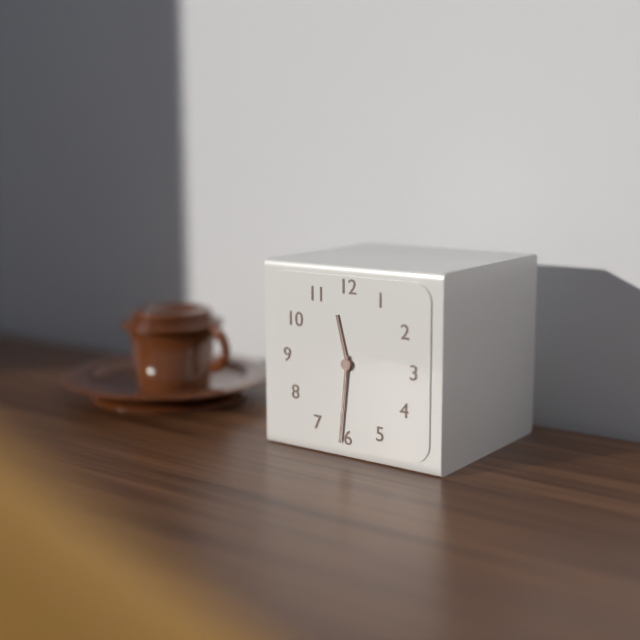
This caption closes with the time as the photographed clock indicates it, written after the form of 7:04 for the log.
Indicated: 11:31
